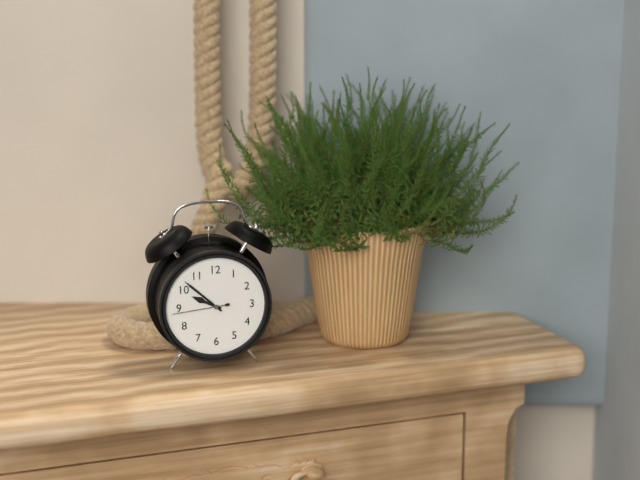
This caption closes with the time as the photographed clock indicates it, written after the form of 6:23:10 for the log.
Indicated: 9:52:44
